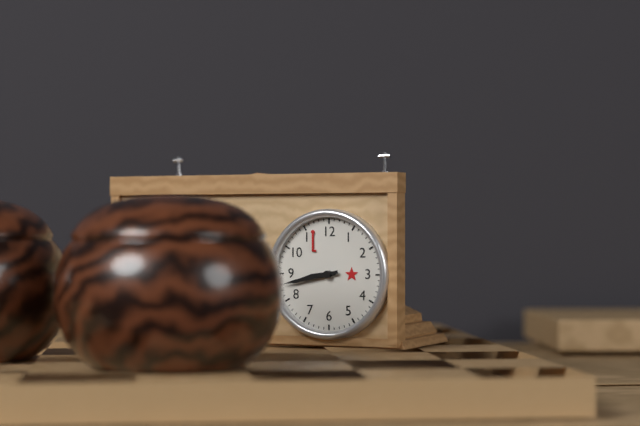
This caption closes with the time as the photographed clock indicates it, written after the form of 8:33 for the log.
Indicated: 8:43
